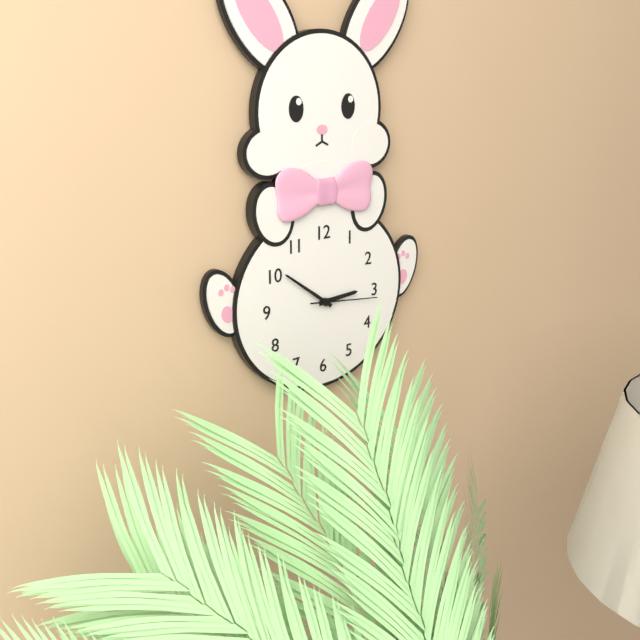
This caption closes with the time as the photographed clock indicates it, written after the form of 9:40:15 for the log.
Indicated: 2:51:16
